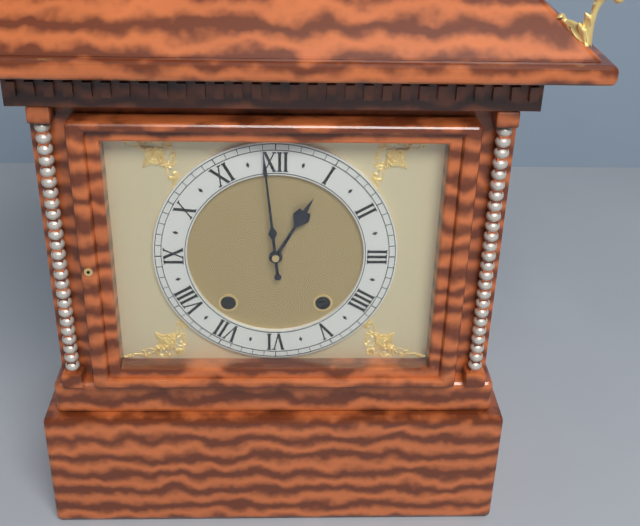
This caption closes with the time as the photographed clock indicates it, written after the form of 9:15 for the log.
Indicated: 12:59
